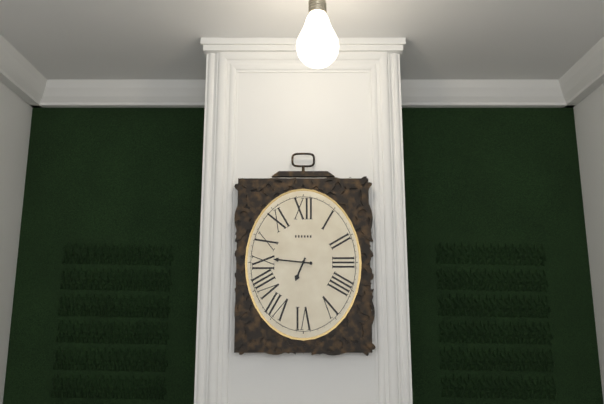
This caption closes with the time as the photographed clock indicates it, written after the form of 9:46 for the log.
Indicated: 6:46
